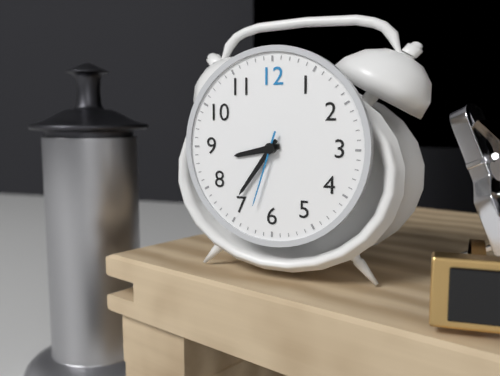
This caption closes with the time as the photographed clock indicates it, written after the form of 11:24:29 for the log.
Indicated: 8:36:33
